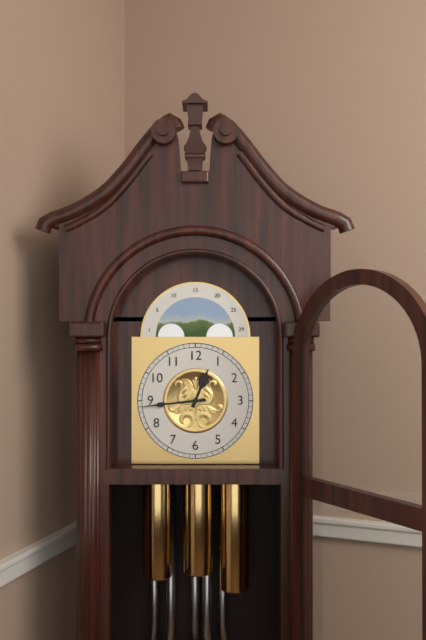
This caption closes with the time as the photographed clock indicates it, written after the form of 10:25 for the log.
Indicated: 12:44
